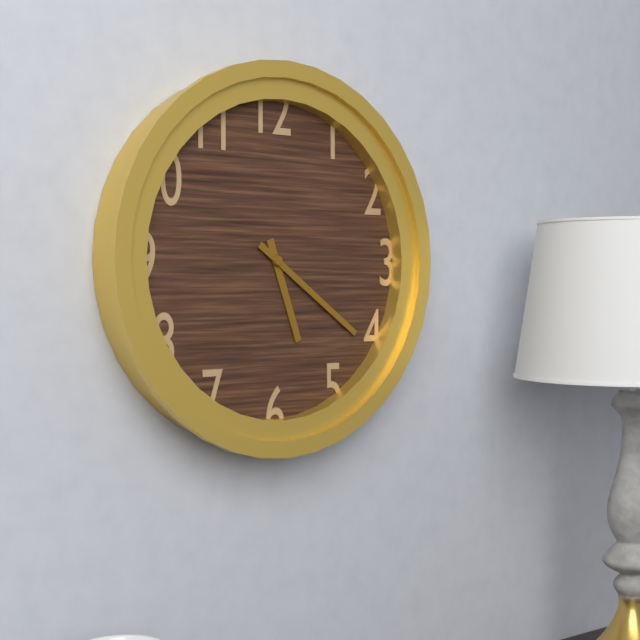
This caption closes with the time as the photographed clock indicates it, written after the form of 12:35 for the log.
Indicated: 5:21
